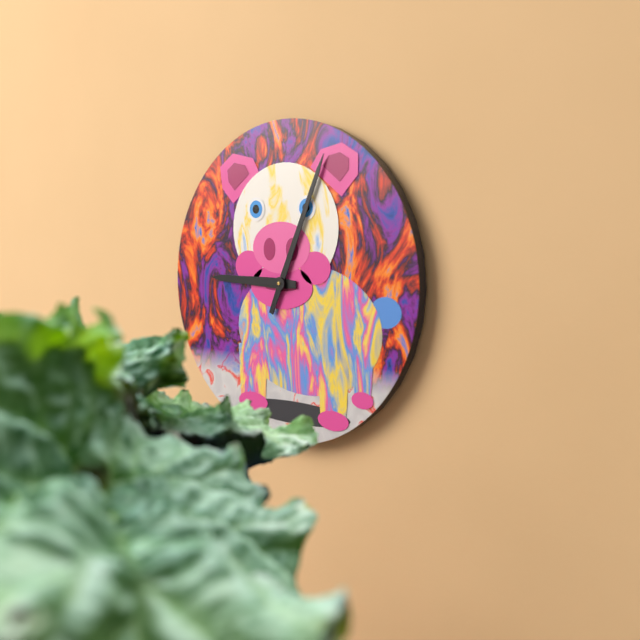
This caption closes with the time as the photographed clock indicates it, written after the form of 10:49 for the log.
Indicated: 9:04
